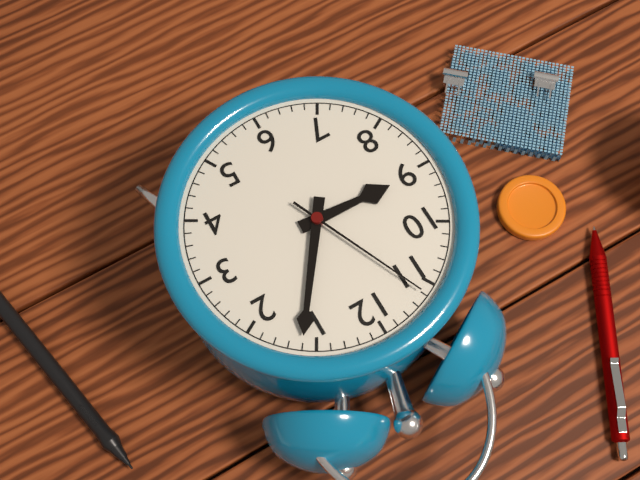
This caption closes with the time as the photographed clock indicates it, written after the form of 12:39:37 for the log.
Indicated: 9:06:56
